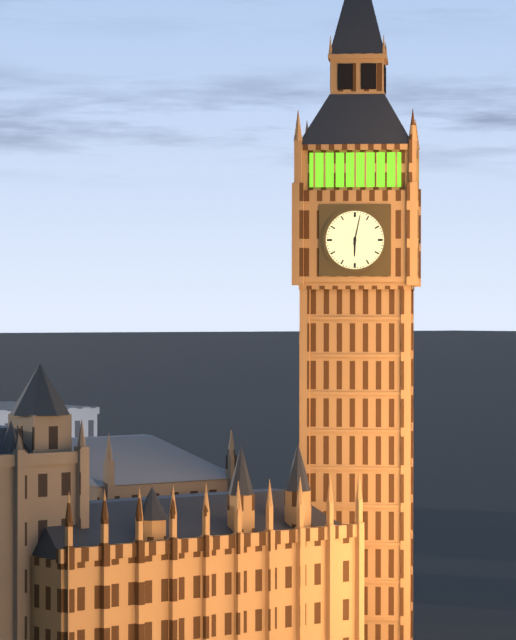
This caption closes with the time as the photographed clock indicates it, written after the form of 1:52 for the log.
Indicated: 6:02
